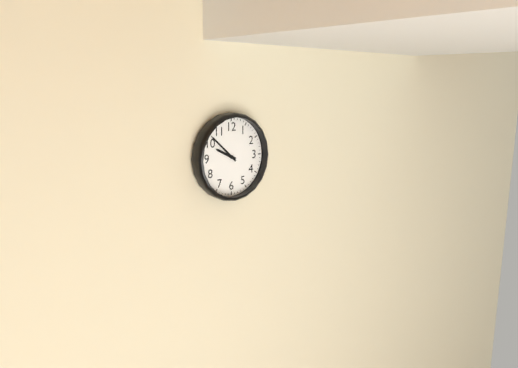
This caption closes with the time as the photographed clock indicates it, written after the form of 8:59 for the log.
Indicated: 9:52
